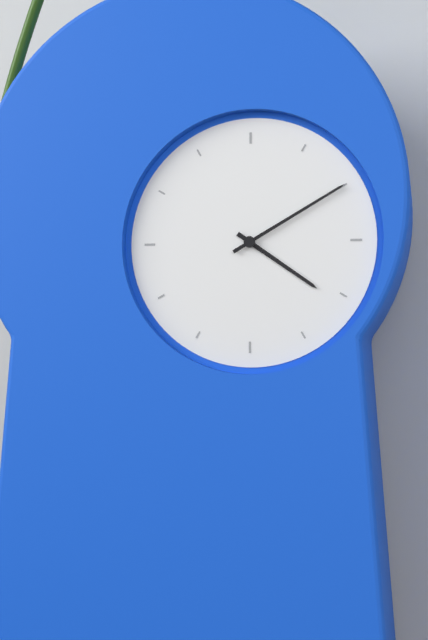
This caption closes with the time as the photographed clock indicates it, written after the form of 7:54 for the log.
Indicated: 4:10
